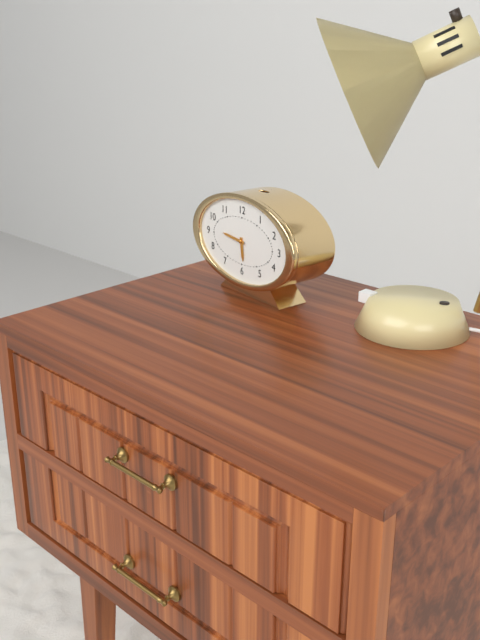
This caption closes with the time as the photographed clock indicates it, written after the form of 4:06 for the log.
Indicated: 5:46
